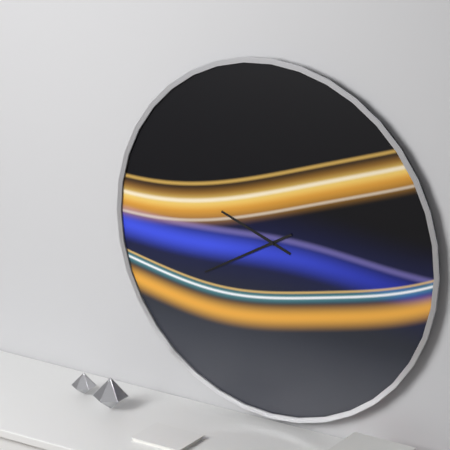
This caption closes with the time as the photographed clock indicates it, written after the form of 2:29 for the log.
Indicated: 9:40
